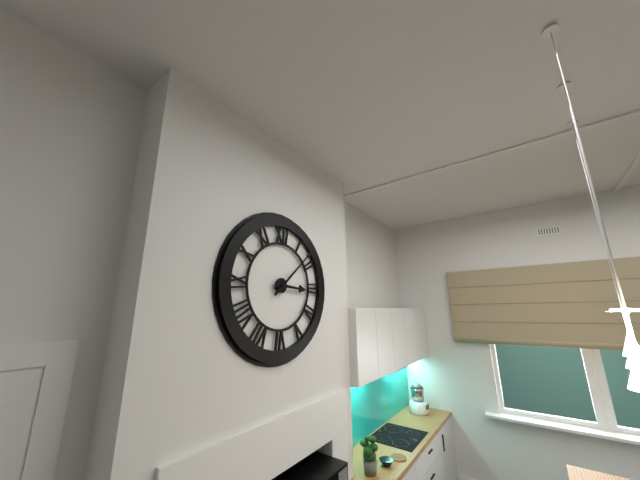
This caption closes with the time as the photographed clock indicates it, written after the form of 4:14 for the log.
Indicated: 3:08
